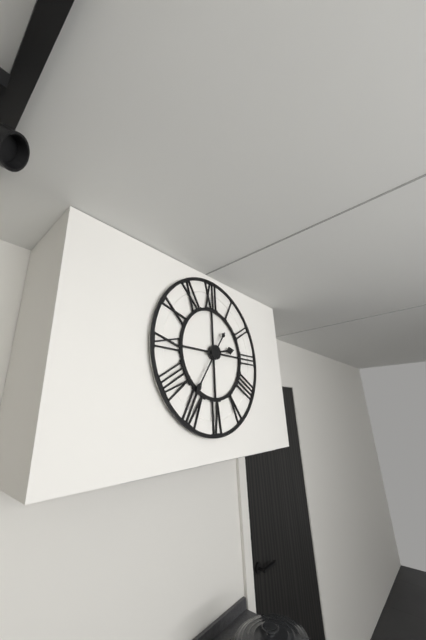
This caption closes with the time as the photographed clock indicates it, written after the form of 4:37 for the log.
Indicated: 2:36
